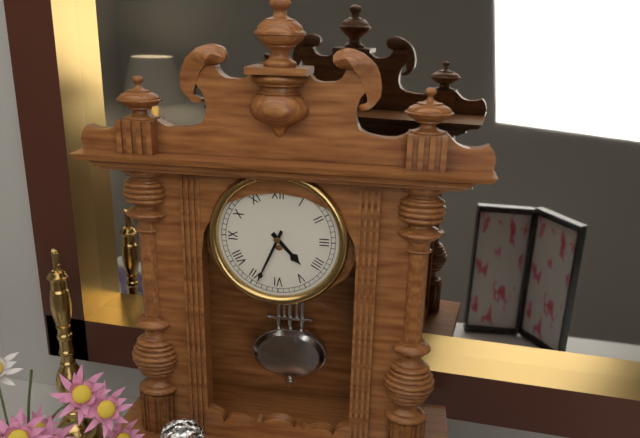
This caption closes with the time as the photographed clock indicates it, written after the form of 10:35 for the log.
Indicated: 4:34
